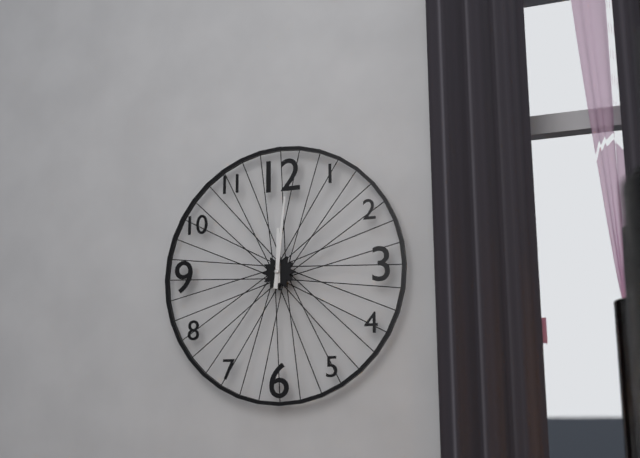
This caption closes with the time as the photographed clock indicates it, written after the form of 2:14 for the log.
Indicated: 12:01
